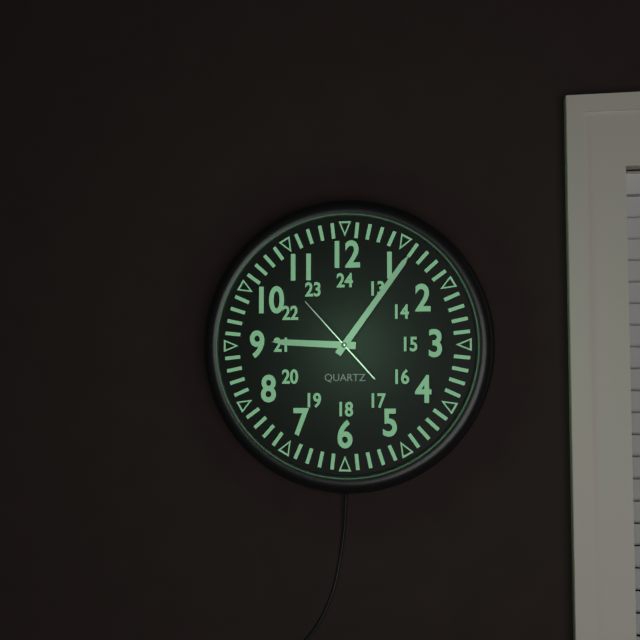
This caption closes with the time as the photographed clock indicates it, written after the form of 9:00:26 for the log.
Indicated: 9:06:53
